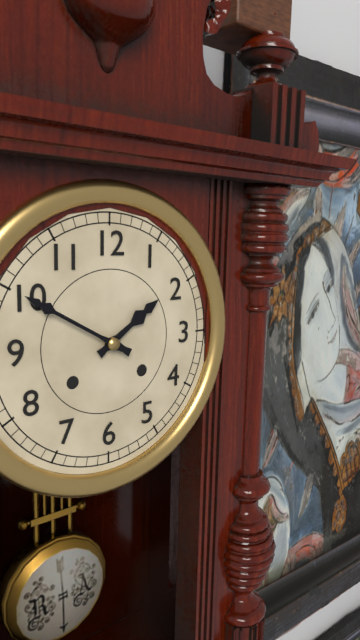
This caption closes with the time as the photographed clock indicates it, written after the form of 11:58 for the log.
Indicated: 1:50
